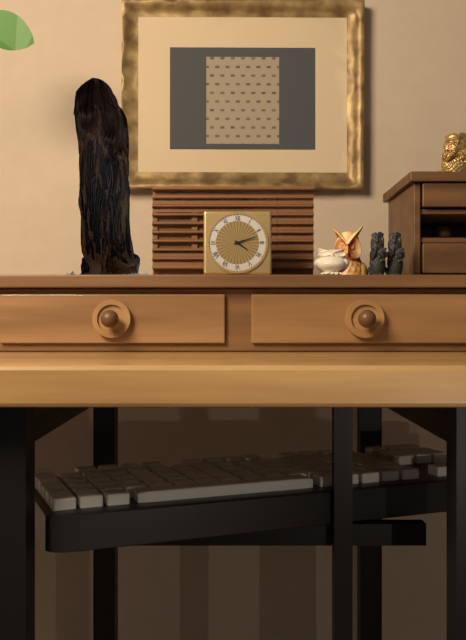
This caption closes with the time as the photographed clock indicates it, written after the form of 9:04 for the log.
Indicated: 4:12
